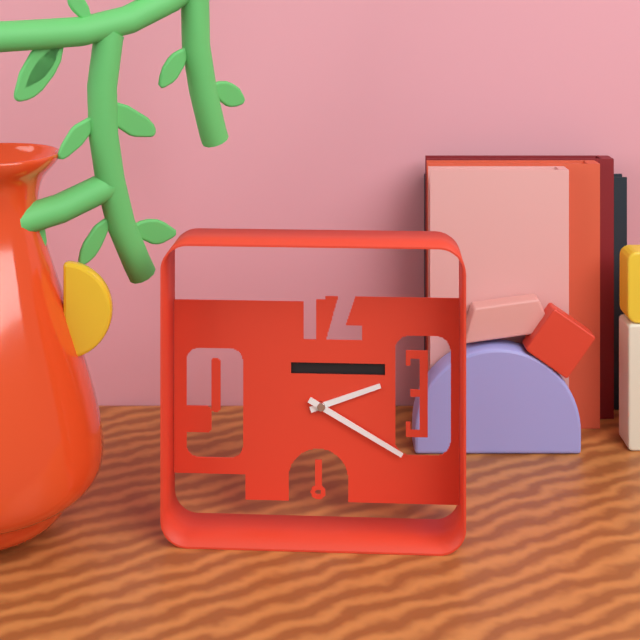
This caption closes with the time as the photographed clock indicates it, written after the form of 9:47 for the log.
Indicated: 2:20
